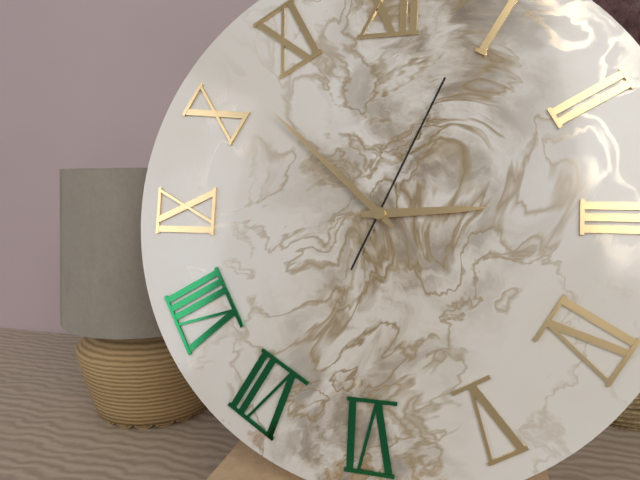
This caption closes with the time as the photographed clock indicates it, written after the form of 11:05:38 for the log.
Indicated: 2:52:04
